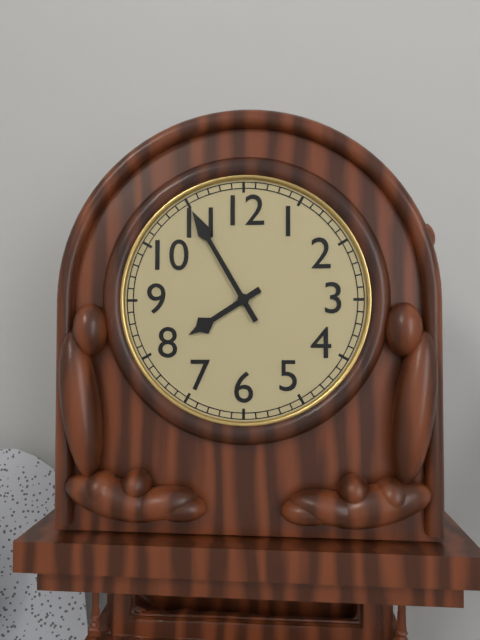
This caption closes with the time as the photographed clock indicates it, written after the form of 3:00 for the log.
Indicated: 7:55
